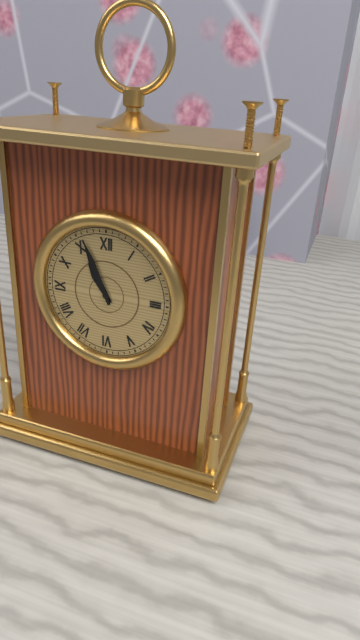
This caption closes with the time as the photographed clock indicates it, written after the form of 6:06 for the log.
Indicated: 10:56
